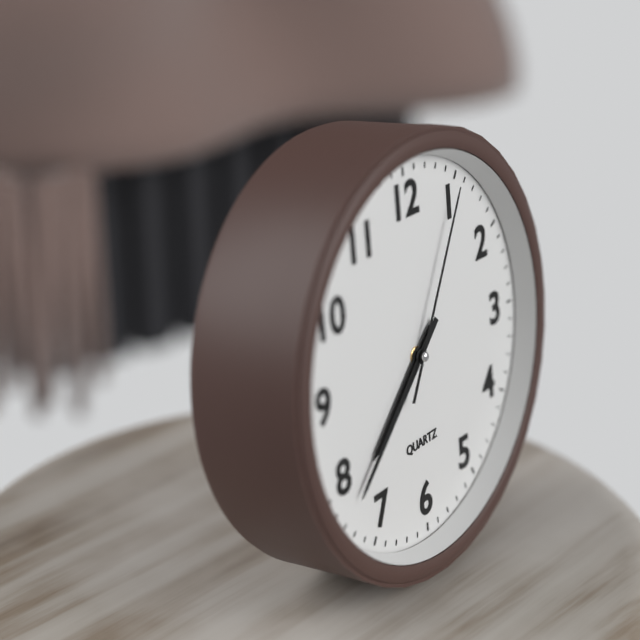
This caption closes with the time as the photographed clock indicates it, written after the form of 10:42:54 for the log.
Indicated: 7:38:05
